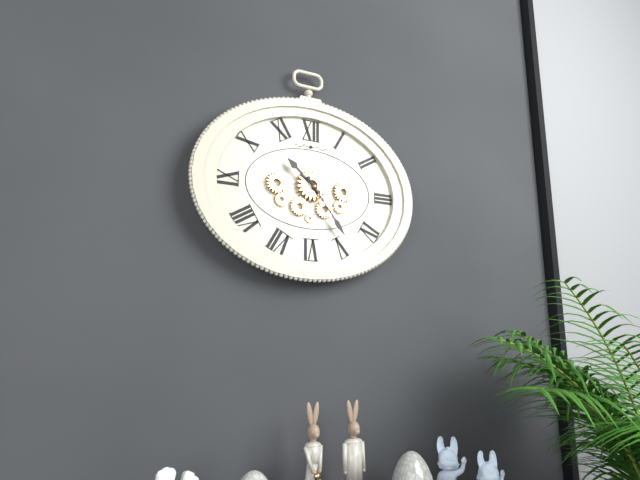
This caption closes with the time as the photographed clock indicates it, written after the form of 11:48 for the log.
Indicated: 10:24
